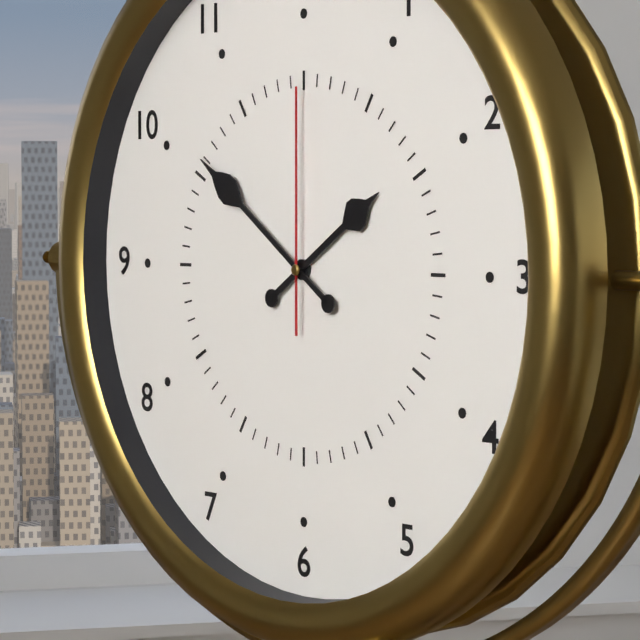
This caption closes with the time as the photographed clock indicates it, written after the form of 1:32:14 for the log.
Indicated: 1:51:00
